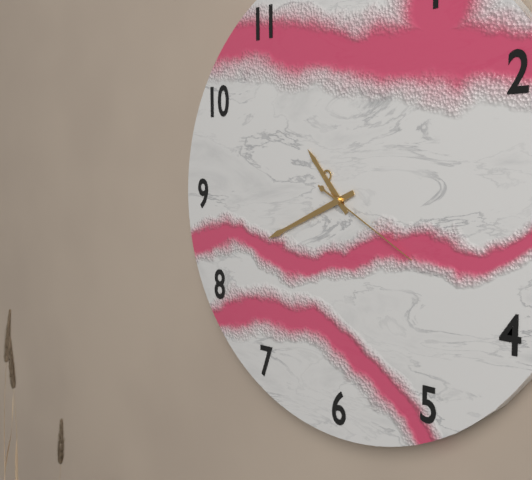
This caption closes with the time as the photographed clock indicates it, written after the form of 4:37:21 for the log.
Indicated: 10:41:20
